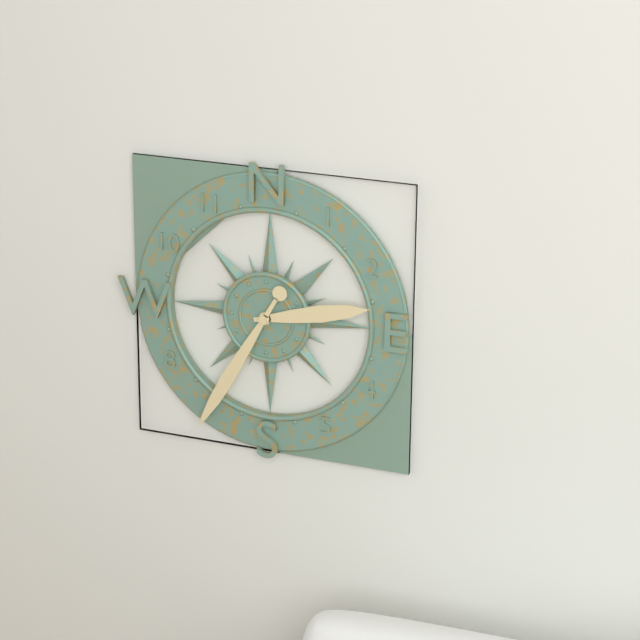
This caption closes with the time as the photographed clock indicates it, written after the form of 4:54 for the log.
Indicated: 2:35
